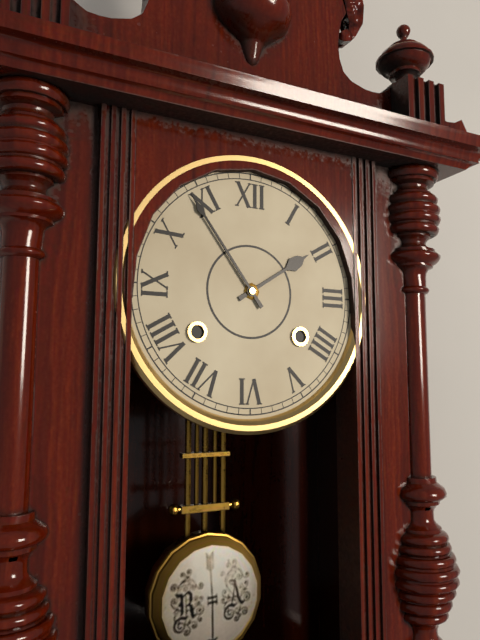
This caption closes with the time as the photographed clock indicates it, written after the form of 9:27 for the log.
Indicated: 1:54
